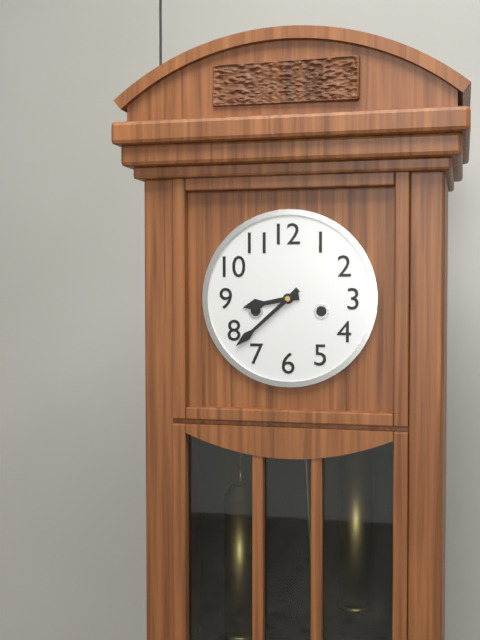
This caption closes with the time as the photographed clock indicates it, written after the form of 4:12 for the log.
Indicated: 8:38
